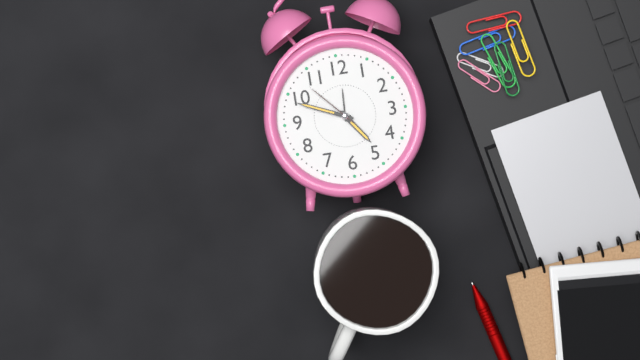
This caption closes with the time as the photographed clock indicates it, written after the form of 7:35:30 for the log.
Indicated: 4:49:53
